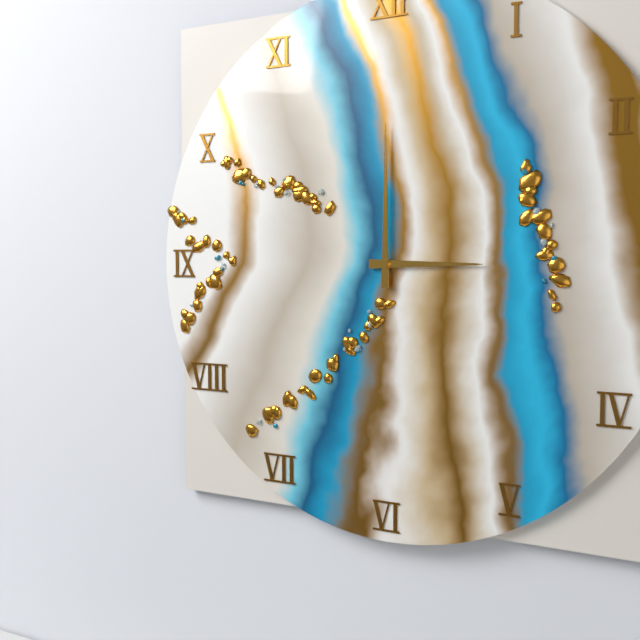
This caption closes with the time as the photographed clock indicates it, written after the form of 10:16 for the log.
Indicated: 3:00
